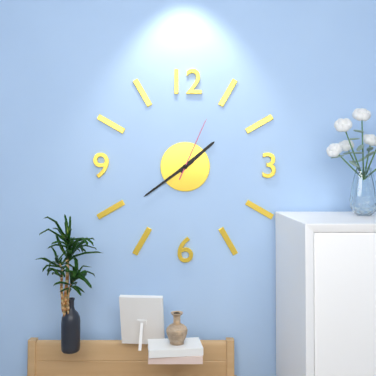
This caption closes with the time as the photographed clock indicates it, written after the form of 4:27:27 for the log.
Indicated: 1:39:04
